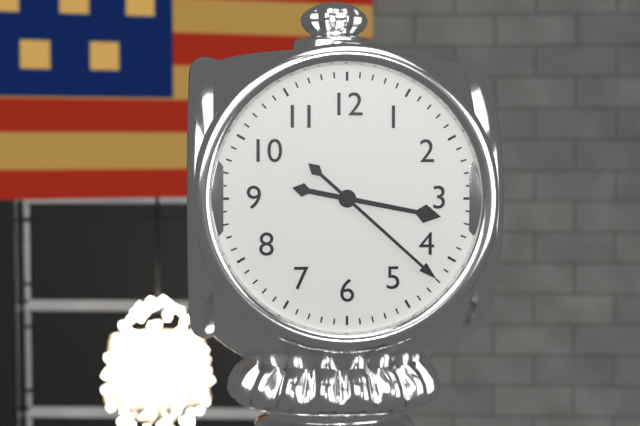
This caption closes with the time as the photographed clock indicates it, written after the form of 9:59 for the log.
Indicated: 3:22
